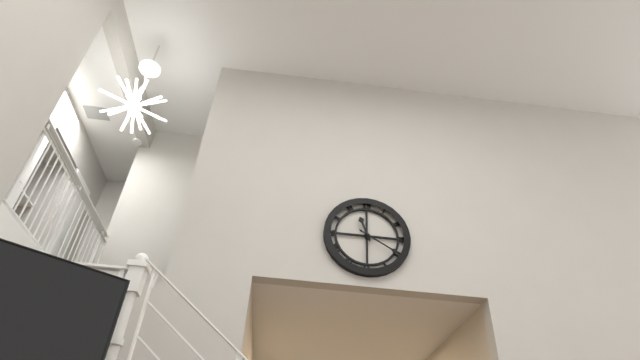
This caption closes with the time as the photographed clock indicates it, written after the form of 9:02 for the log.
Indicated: 11:20
